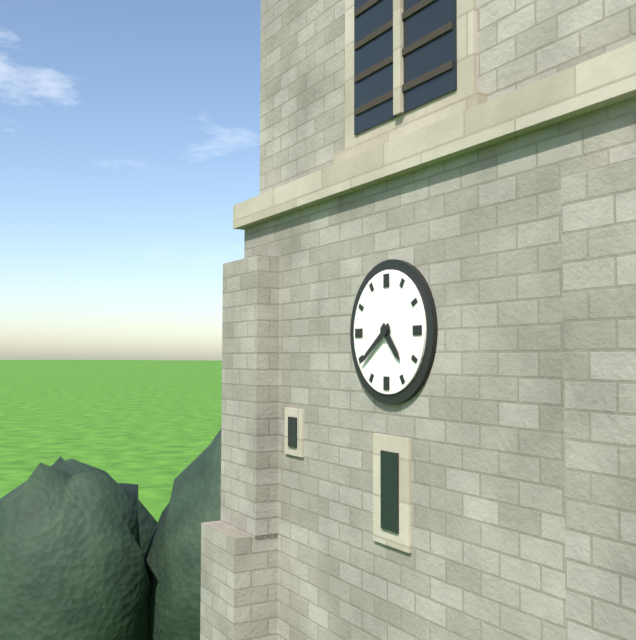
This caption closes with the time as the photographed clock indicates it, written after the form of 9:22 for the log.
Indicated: 4:39
